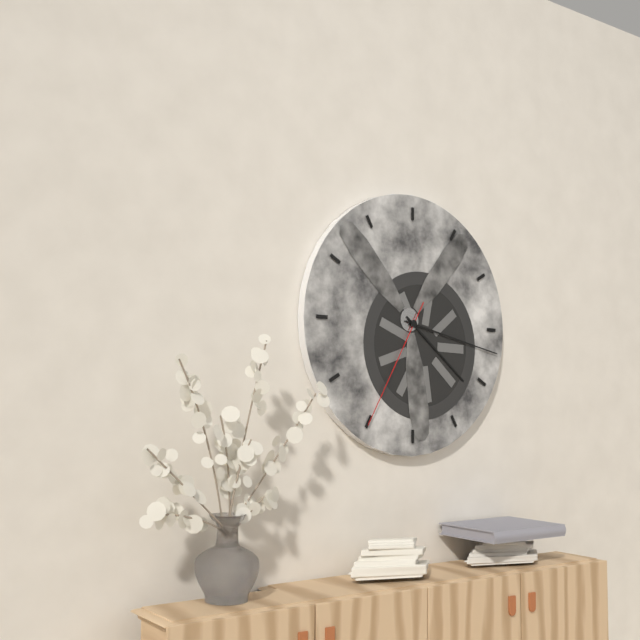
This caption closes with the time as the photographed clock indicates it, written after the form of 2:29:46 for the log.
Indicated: 4:17:35
